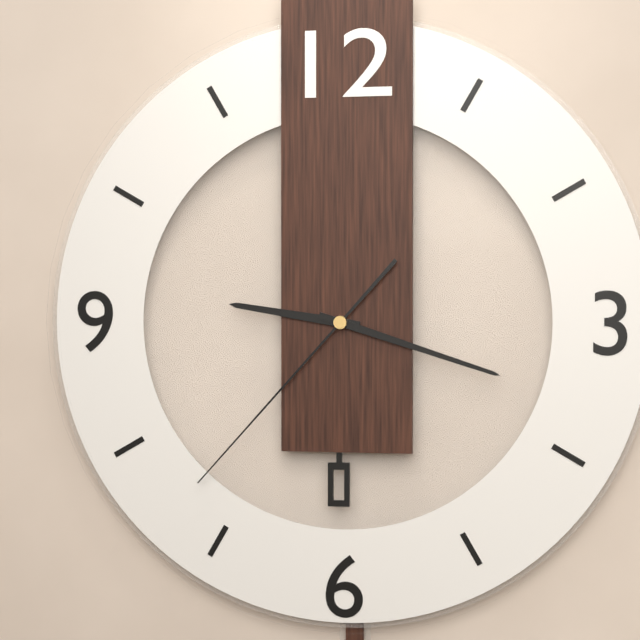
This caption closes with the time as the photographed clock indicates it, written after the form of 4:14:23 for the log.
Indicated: 9:18:37
